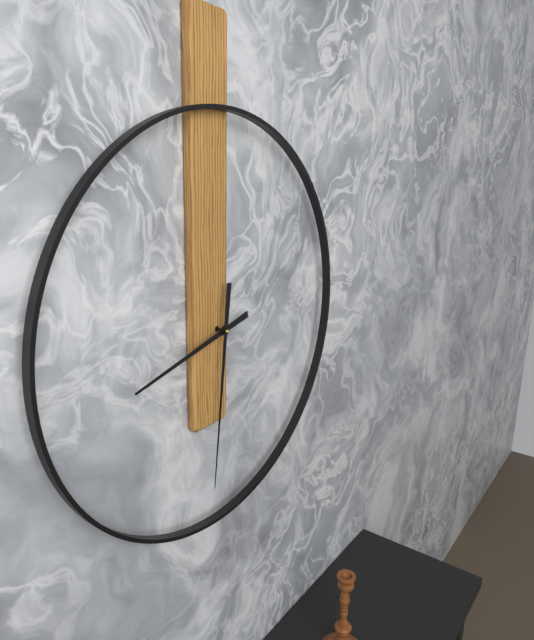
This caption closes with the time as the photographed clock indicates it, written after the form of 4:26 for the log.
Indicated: 8:31
